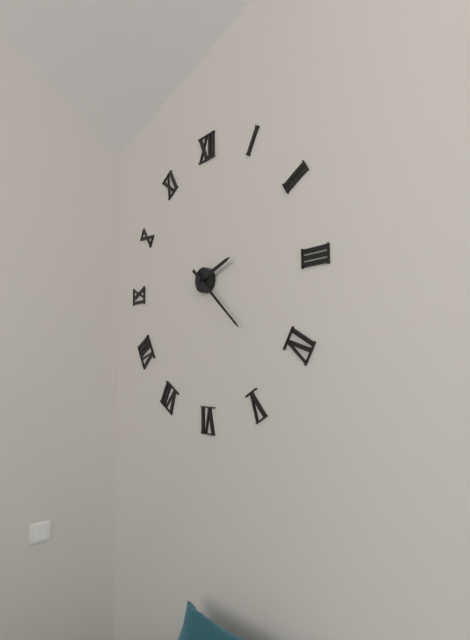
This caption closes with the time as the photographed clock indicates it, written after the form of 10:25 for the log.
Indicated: 2:22
